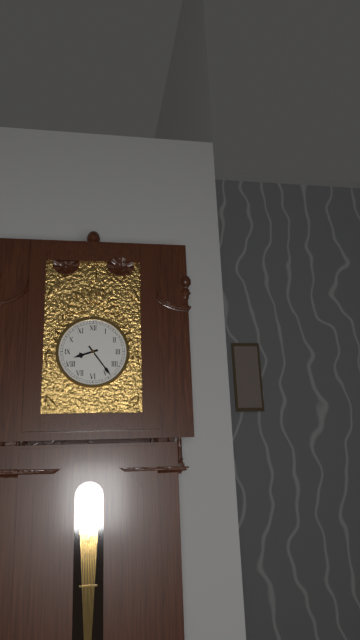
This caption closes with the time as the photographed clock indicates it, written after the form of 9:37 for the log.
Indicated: 8:24
